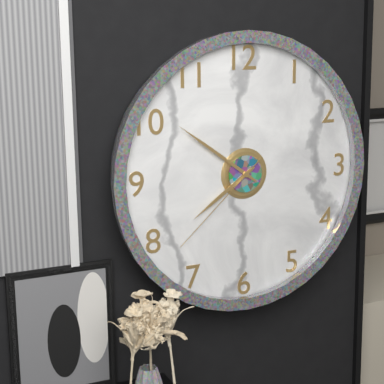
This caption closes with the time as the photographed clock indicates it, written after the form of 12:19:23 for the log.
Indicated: 7:51:38
